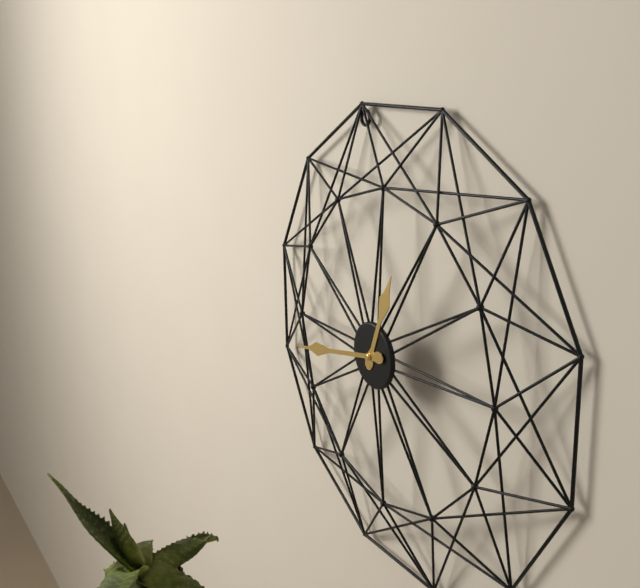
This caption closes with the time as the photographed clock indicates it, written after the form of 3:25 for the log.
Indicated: 12:43
